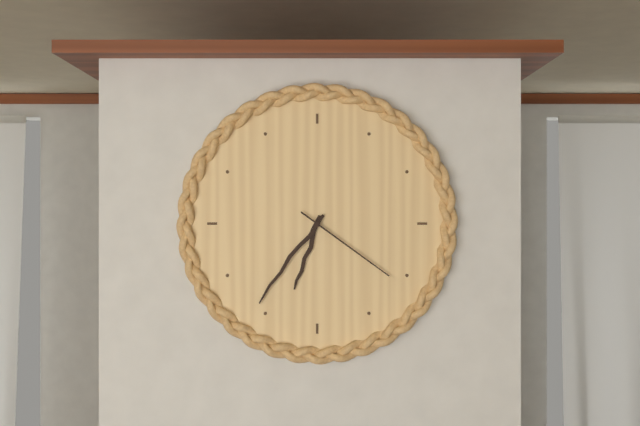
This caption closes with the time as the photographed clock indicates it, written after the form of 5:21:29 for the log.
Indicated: 6:36:21
